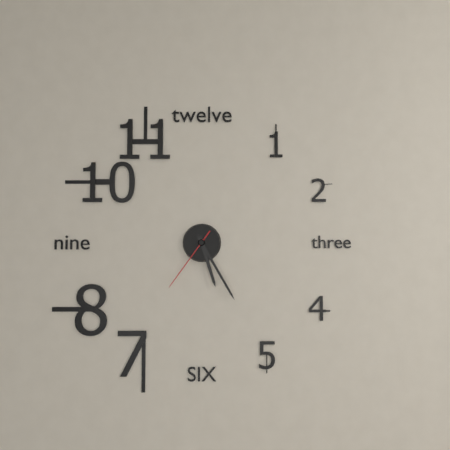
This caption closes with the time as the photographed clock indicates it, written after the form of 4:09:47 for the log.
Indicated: 5:25:36
